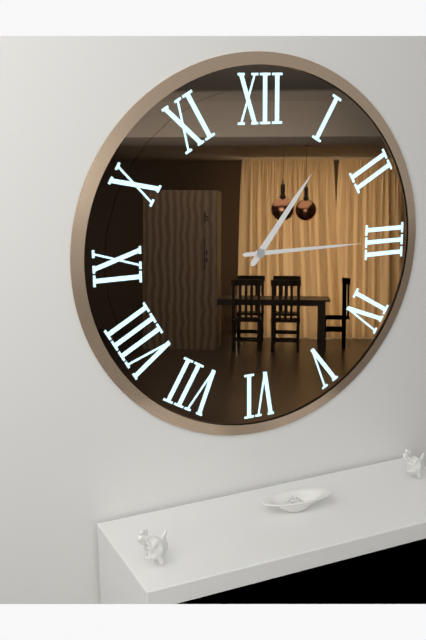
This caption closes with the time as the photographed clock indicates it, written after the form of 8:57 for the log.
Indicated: 1:15
